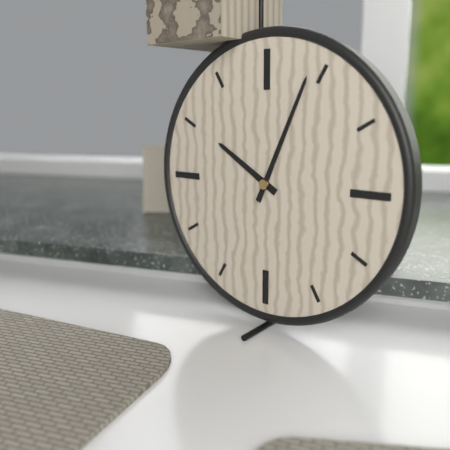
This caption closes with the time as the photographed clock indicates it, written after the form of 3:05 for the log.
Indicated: 10:04
